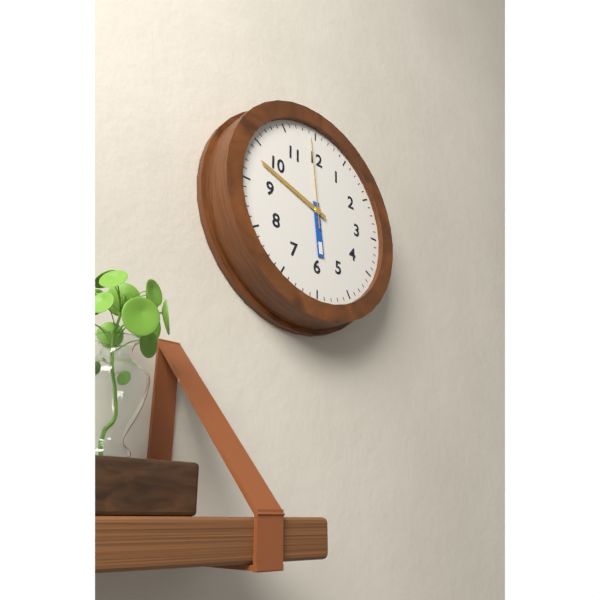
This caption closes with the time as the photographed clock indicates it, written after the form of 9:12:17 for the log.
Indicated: 5:48:59
